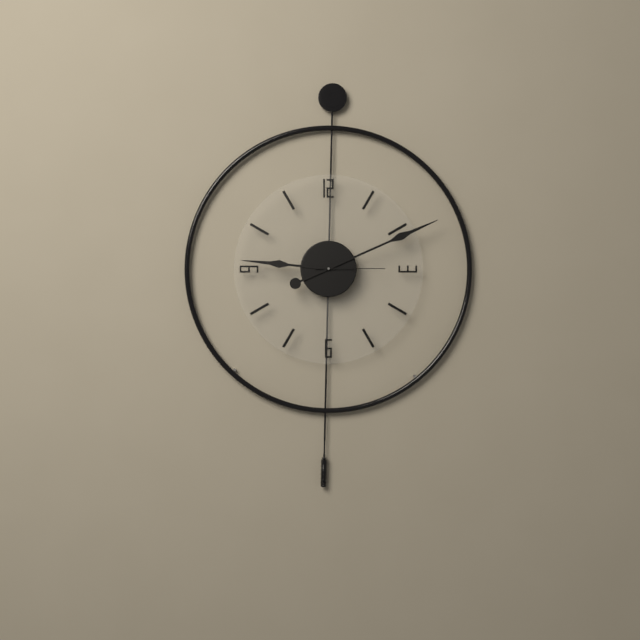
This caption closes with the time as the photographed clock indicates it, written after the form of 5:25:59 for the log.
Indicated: 9:11:15
